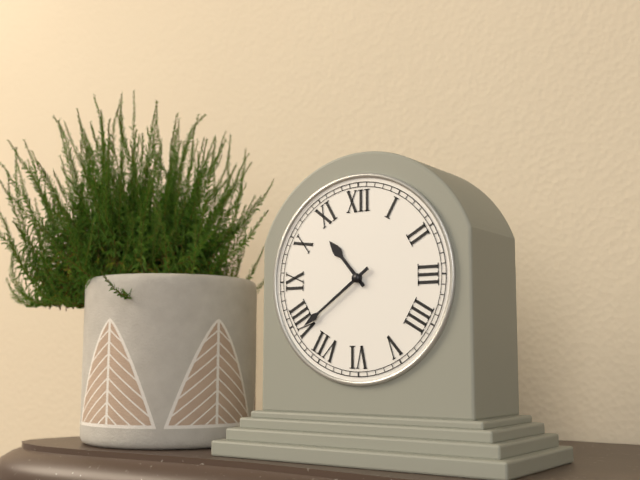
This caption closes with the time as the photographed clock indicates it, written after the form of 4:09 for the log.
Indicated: 10:39
